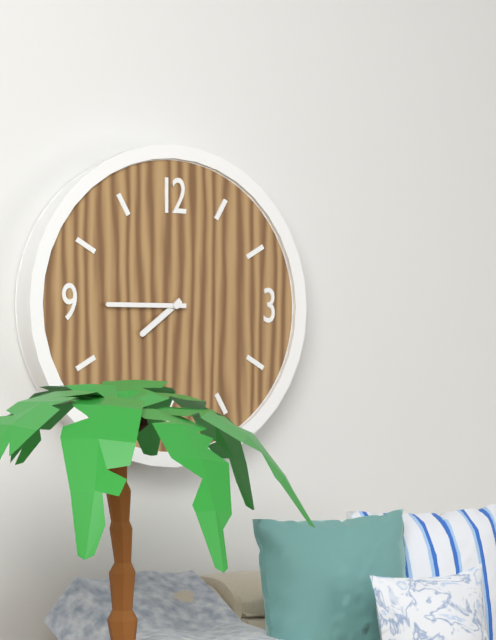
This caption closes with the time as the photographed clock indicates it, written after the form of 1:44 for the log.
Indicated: 7:45
